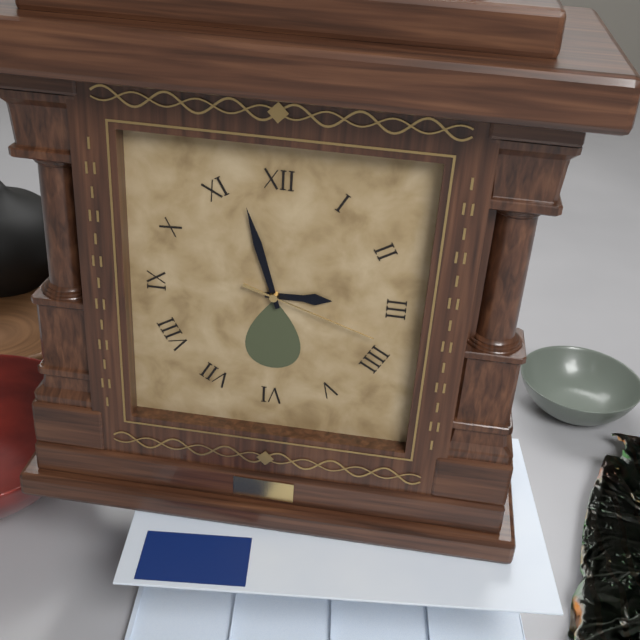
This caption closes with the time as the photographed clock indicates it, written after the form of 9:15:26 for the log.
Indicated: 2:57:18
